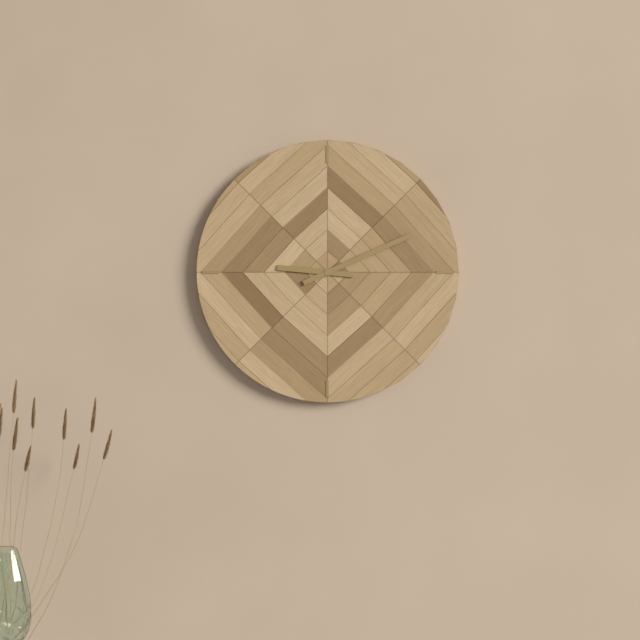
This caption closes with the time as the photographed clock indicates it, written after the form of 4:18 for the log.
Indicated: 9:11
